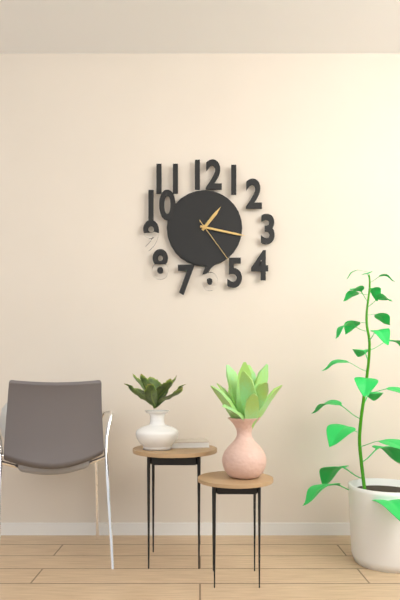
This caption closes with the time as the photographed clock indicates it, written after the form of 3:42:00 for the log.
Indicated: 1:17:24
